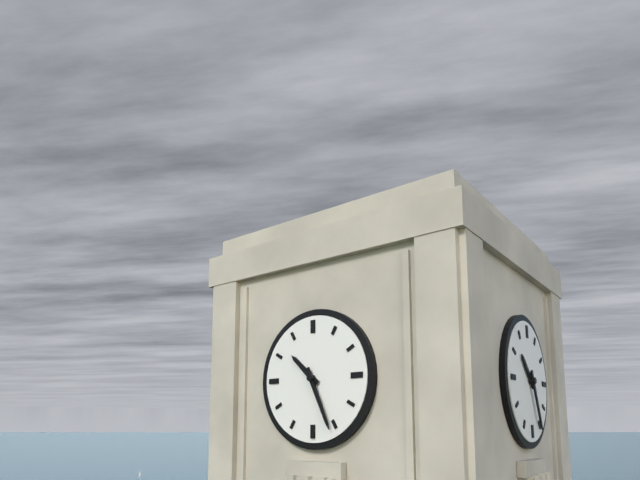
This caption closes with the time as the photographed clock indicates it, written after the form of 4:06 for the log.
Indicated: 10:26
